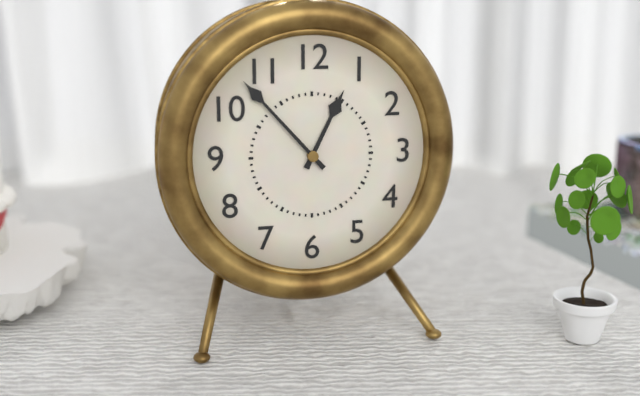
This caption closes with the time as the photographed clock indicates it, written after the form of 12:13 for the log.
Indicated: 12:53
